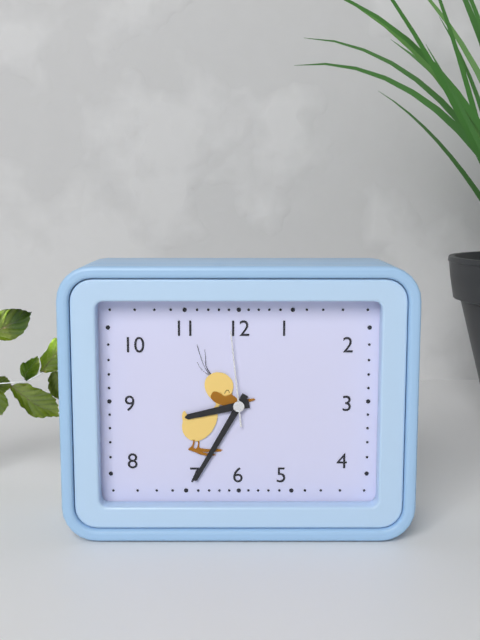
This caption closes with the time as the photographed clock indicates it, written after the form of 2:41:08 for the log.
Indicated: 8:35:59
